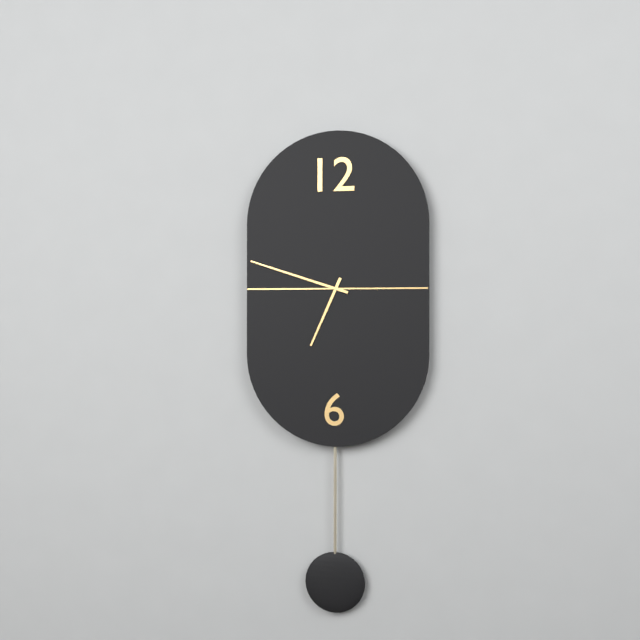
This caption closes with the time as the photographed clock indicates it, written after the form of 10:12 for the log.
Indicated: 6:48
